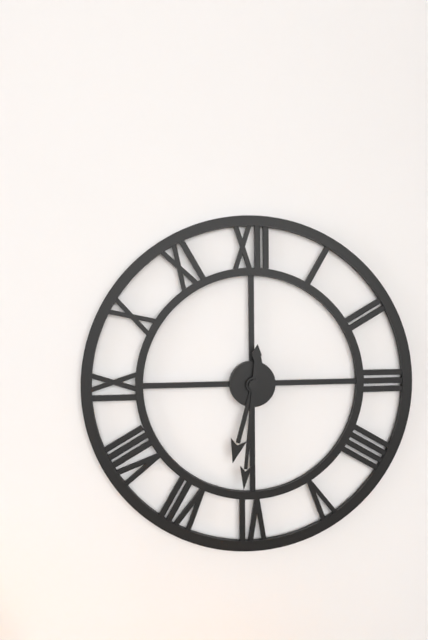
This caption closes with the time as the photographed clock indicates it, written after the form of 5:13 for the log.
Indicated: 6:31
